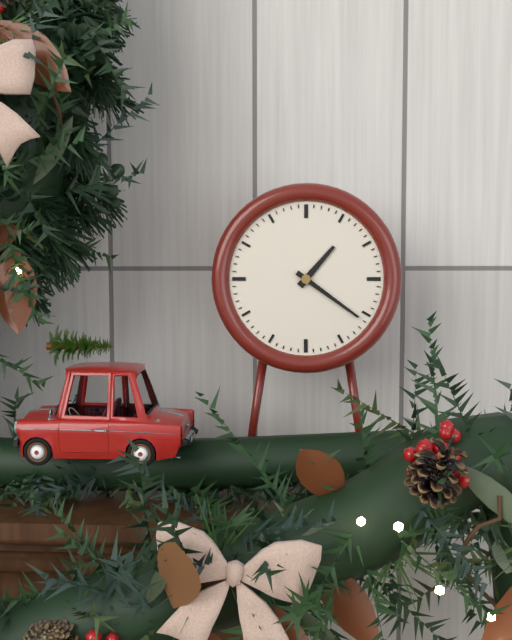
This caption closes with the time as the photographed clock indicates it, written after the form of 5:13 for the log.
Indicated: 1:21
